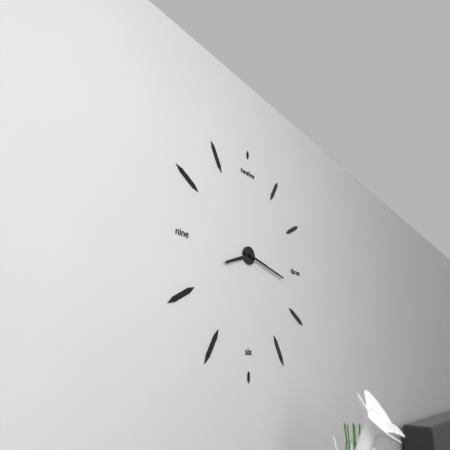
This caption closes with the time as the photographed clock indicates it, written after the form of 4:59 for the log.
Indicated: 8:17
